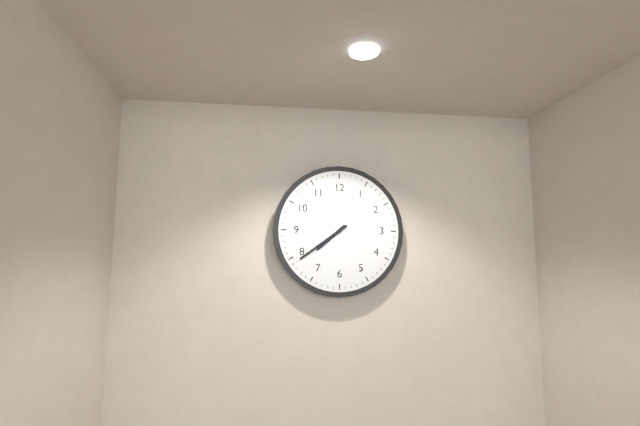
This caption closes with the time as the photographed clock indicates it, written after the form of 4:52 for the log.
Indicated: 7:39
